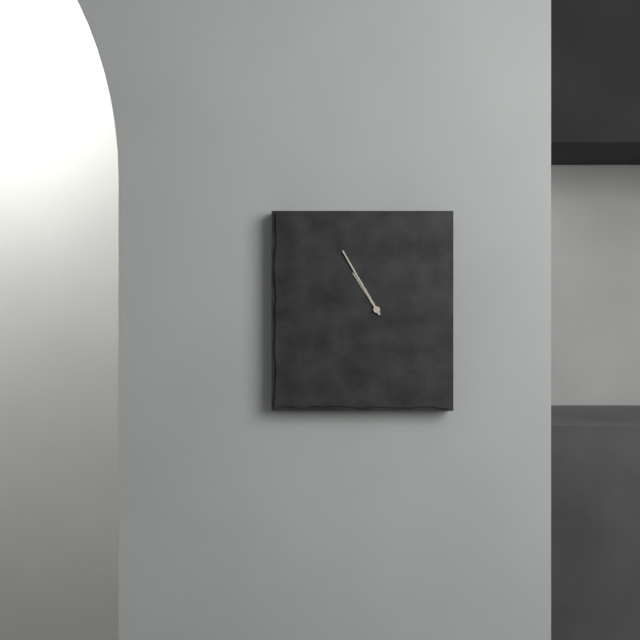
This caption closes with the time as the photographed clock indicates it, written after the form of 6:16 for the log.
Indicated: 10:55
